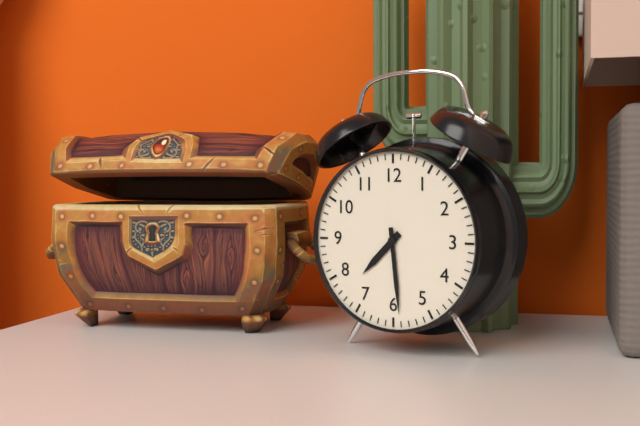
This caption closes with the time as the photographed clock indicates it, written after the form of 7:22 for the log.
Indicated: 7:29
